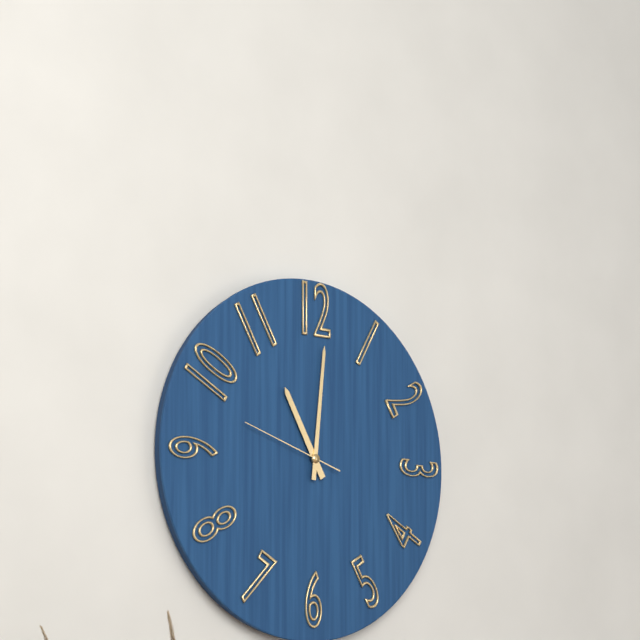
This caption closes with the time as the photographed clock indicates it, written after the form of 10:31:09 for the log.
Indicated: 11:01:48
